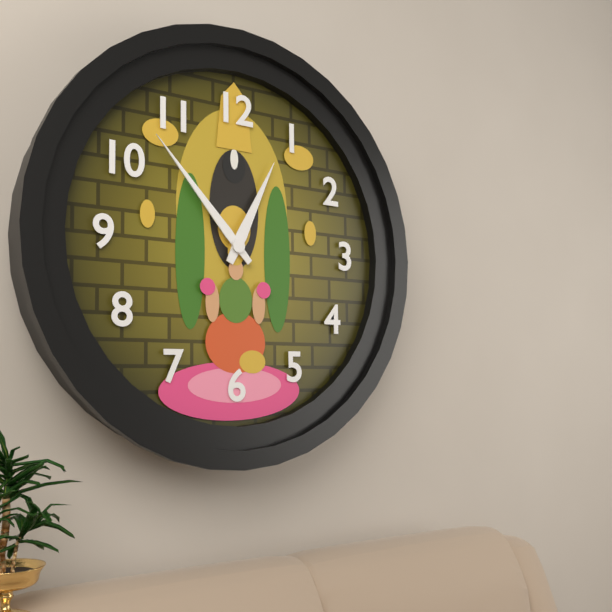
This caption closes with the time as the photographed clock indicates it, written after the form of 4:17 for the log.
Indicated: 12:53
